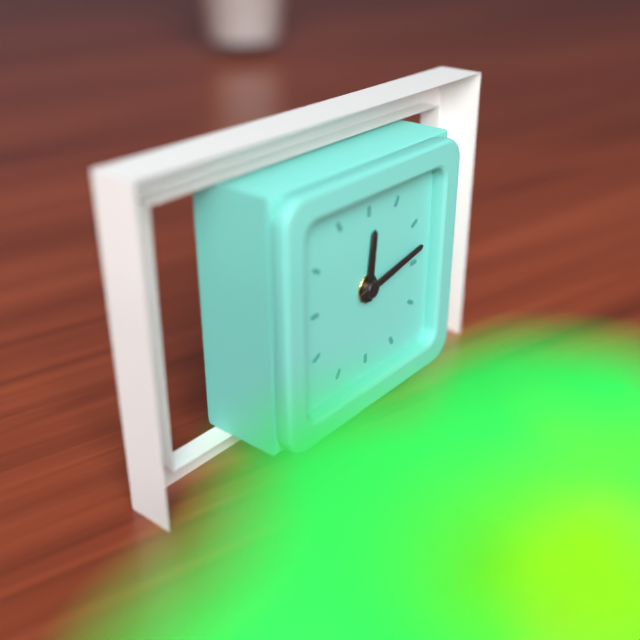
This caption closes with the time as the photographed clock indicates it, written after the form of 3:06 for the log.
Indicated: 12:13
